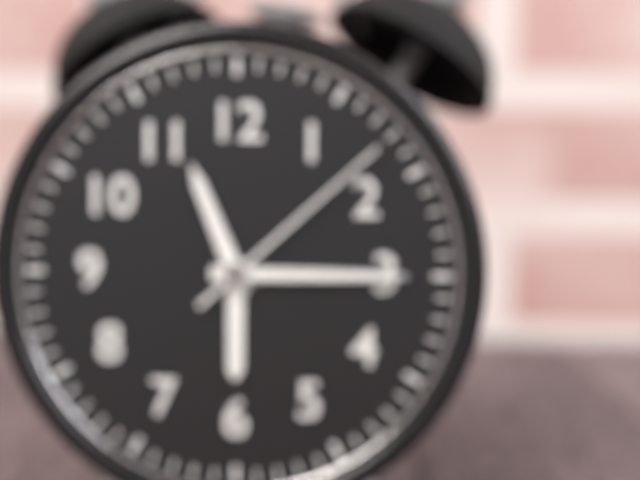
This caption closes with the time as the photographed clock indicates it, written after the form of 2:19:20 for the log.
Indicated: 11:15:08
